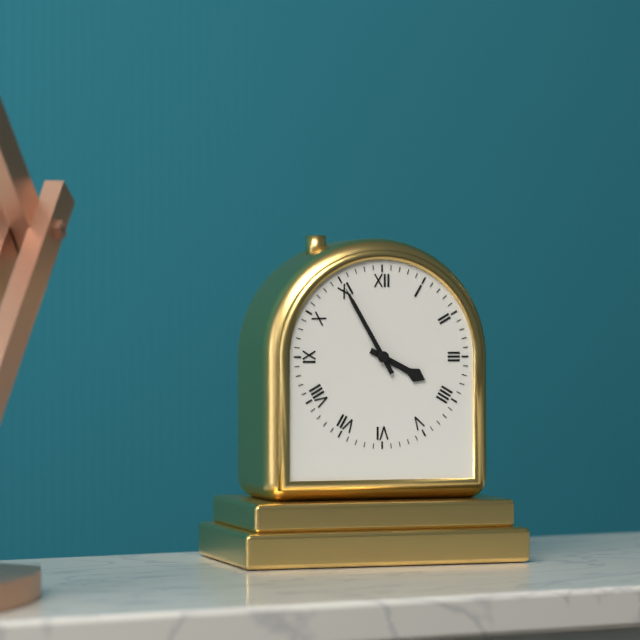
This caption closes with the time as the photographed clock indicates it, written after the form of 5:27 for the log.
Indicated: 3:55
